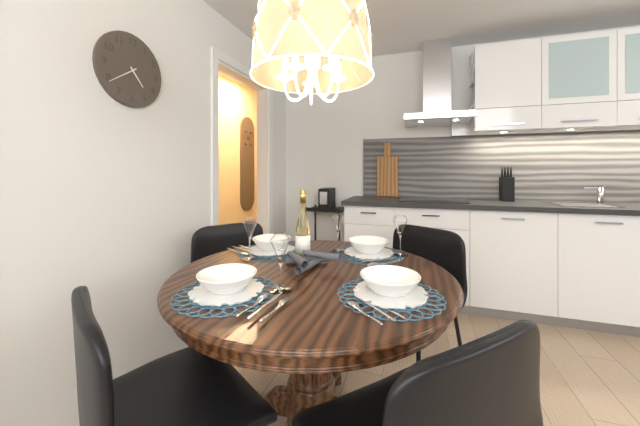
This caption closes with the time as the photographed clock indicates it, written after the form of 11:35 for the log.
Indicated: 4:39
